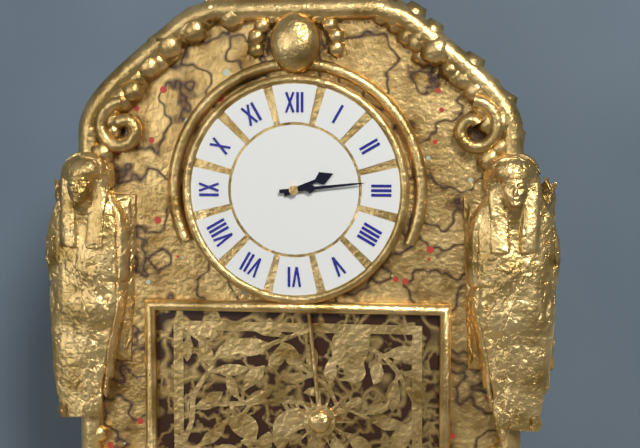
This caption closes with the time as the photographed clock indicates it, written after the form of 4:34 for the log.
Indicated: 2:14
